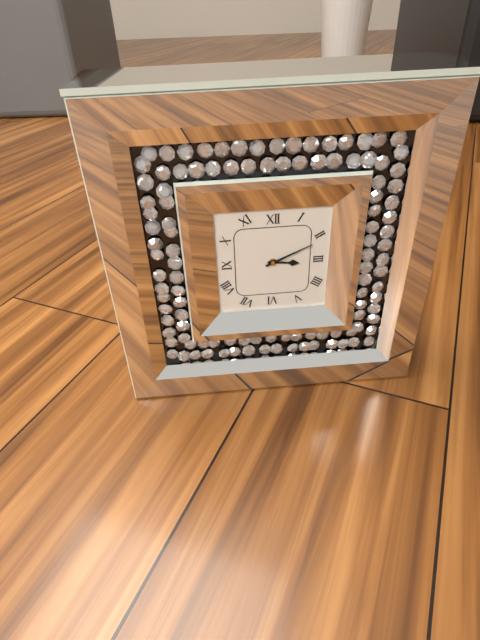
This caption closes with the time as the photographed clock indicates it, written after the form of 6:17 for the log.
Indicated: 3:11
